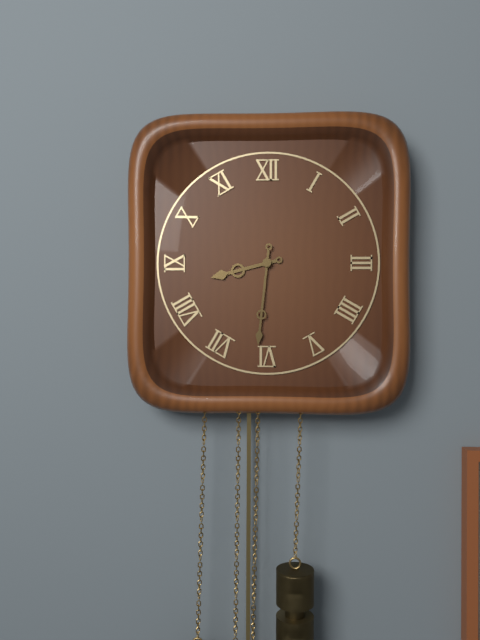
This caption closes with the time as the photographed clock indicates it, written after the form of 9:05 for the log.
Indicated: 8:31
